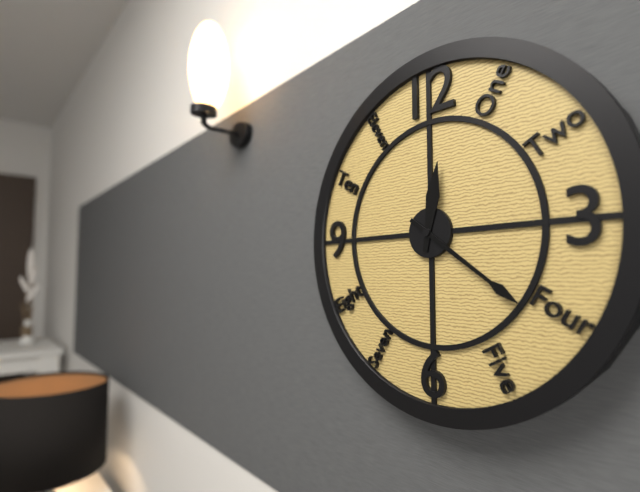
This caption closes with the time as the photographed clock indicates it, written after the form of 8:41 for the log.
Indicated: 12:21
